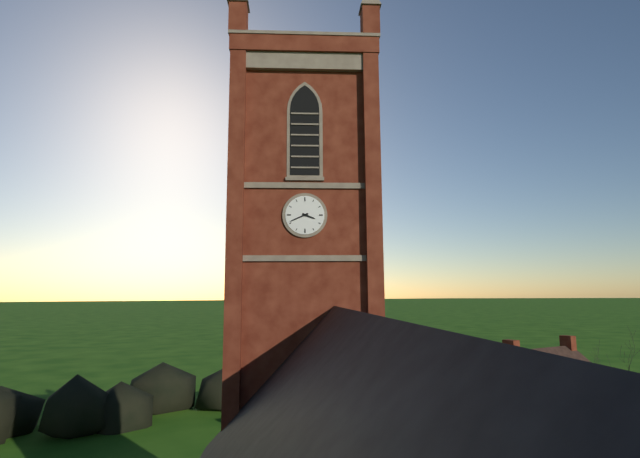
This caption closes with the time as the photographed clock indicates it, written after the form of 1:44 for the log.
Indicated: 3:41
